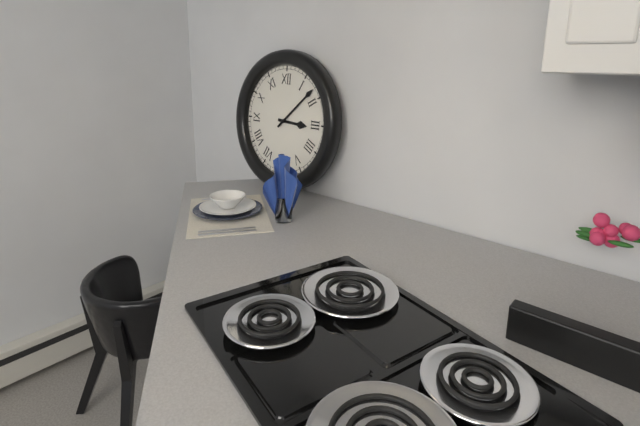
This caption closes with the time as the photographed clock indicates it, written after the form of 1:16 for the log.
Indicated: 3:08
